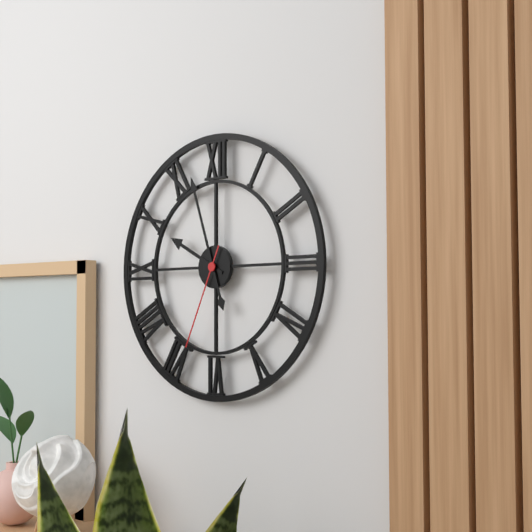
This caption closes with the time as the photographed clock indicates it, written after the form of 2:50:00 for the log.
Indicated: 9:57:34
